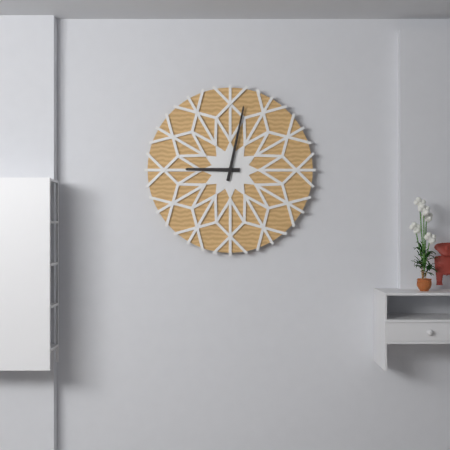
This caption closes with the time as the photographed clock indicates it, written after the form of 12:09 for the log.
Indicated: 9:02
